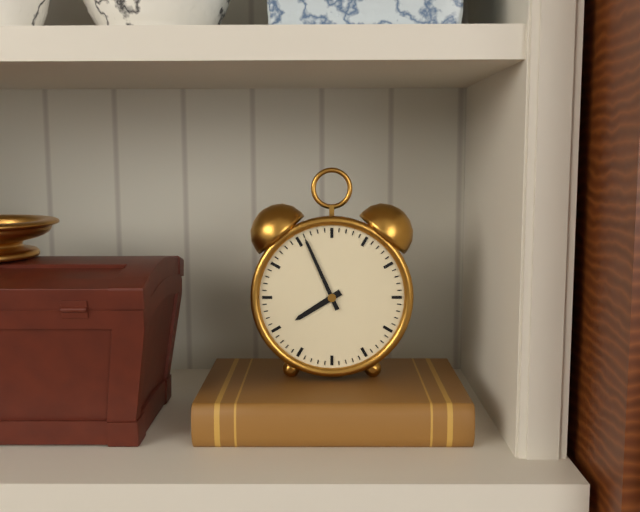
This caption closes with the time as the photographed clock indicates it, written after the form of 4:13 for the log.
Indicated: 7:56
